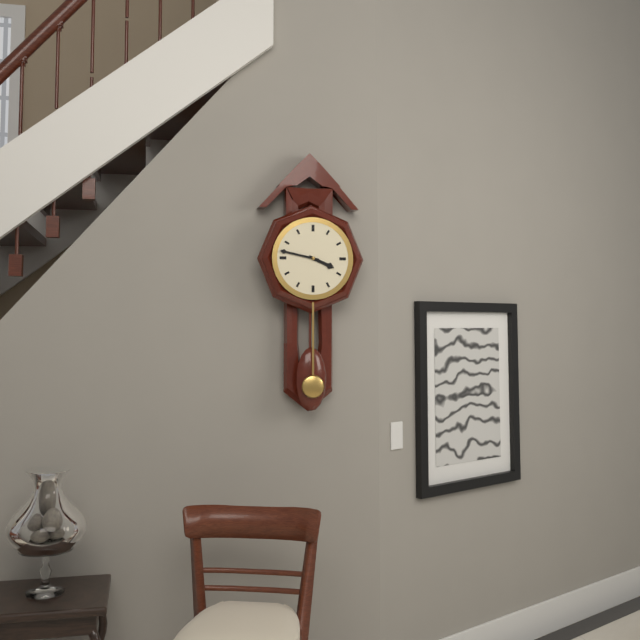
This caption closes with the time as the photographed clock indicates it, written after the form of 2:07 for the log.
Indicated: 3:47
